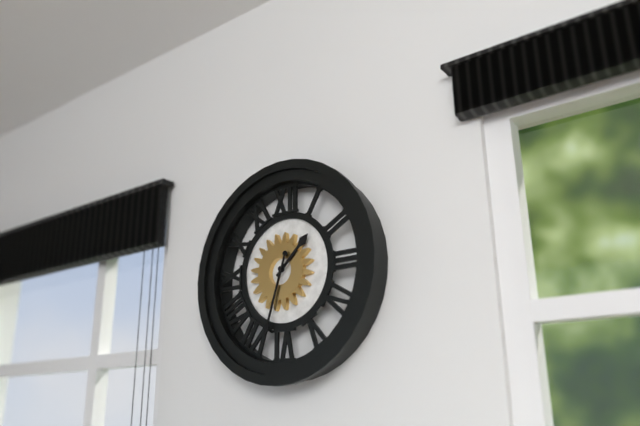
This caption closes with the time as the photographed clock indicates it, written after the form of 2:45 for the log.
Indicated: 1:33
